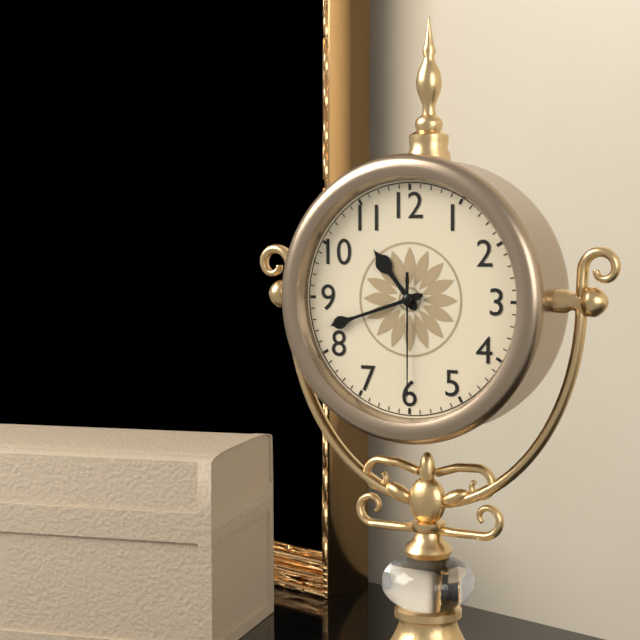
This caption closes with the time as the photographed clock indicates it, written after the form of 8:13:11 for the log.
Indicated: 10:42:30
